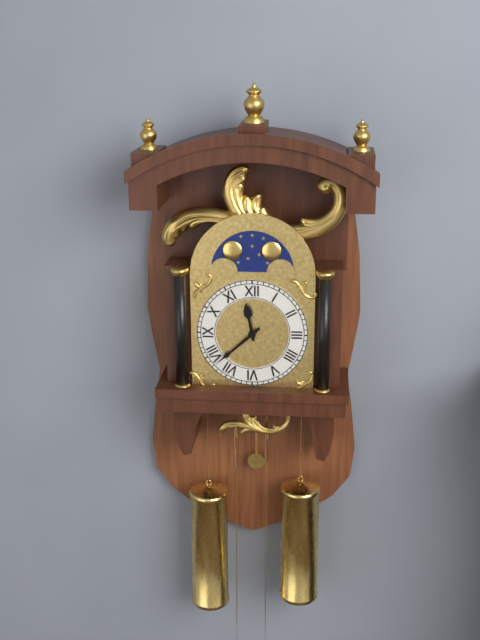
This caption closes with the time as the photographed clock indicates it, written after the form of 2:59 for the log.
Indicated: 11:38
